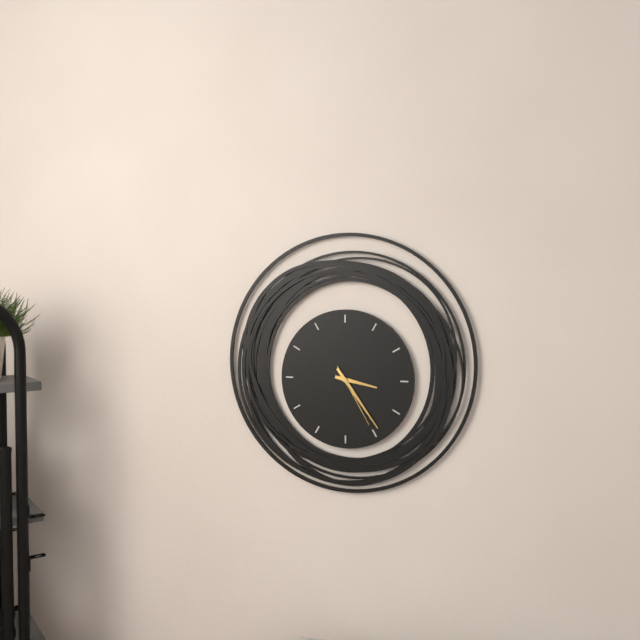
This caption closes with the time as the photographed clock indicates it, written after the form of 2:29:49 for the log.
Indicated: 3:24:25
